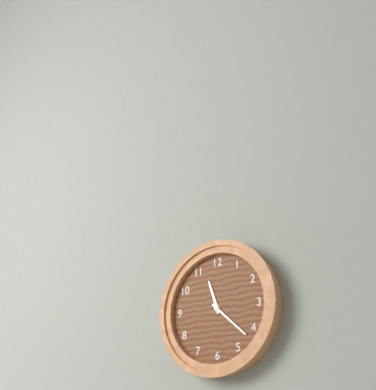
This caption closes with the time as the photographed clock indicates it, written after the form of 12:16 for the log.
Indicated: 11:22
